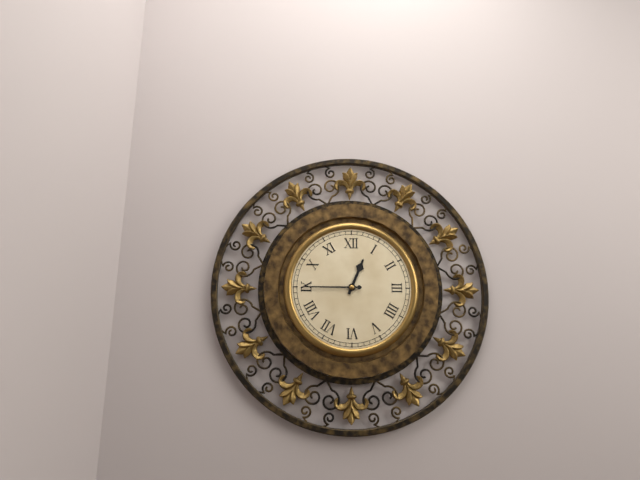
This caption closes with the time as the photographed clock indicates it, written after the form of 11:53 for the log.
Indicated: 12:45
